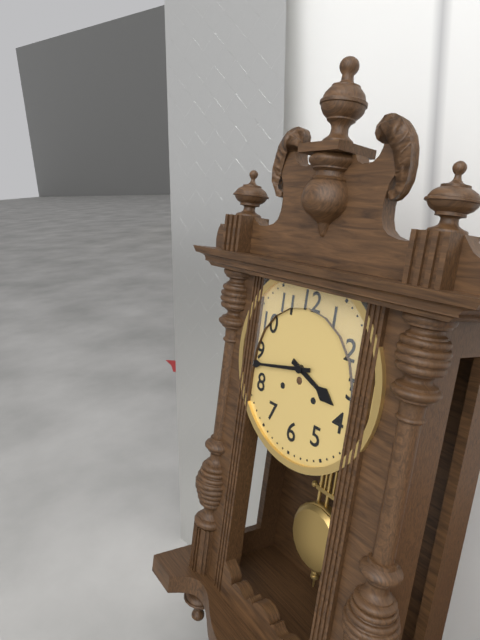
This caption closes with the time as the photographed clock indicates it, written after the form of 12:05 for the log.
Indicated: 3:43
